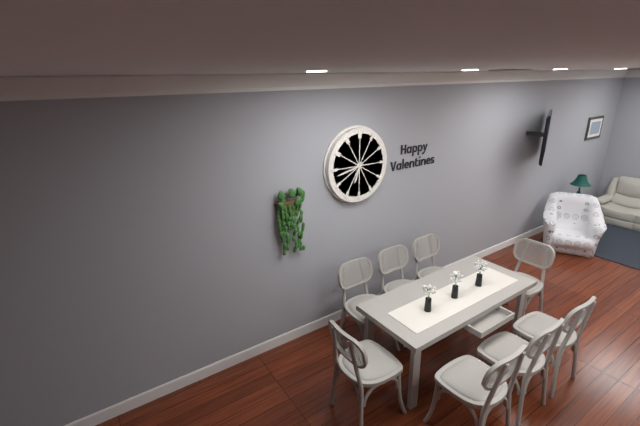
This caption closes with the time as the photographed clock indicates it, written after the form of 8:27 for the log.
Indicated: 6:43
